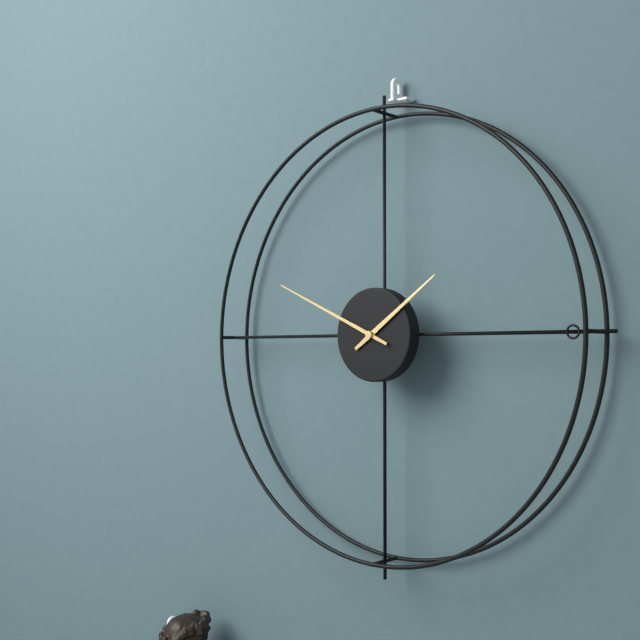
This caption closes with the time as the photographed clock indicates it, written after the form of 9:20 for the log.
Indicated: 1:49
